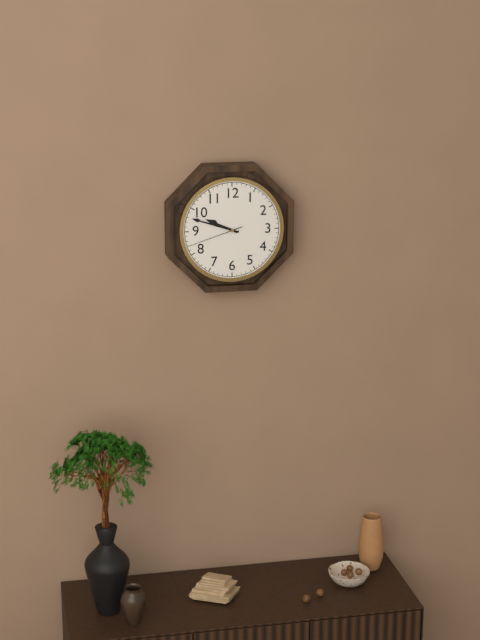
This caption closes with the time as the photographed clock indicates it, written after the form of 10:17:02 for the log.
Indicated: 9:48:42
